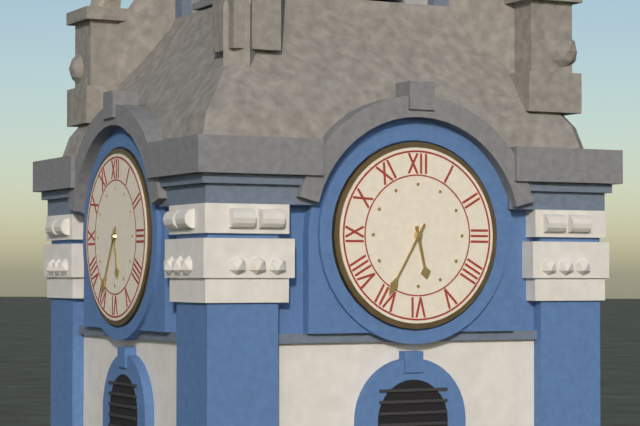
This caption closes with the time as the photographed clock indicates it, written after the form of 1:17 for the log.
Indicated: 5:35
